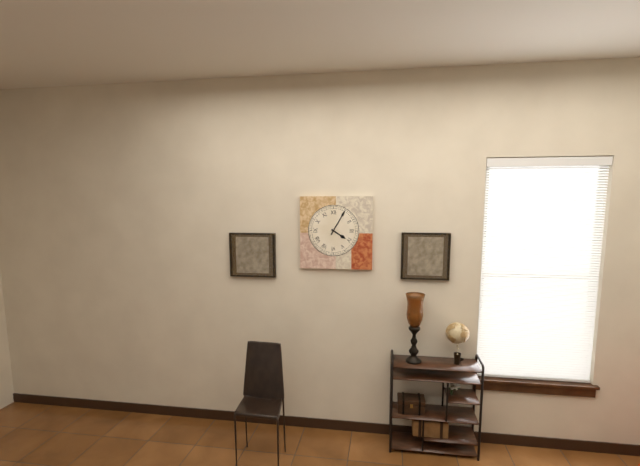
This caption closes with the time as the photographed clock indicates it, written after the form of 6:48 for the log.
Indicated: 4:05
